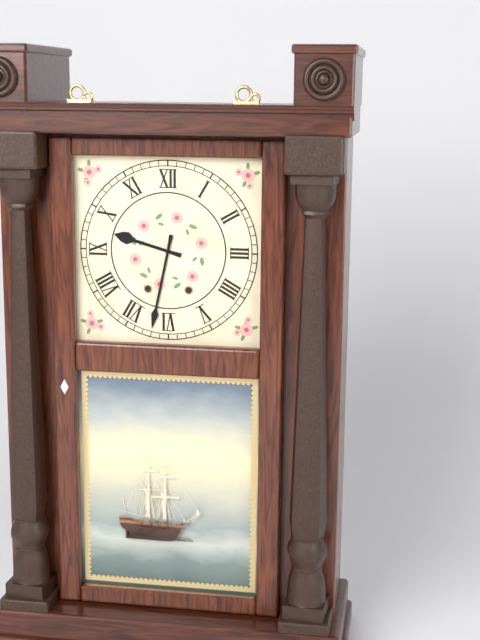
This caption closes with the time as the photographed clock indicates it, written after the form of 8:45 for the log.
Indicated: 9:32
